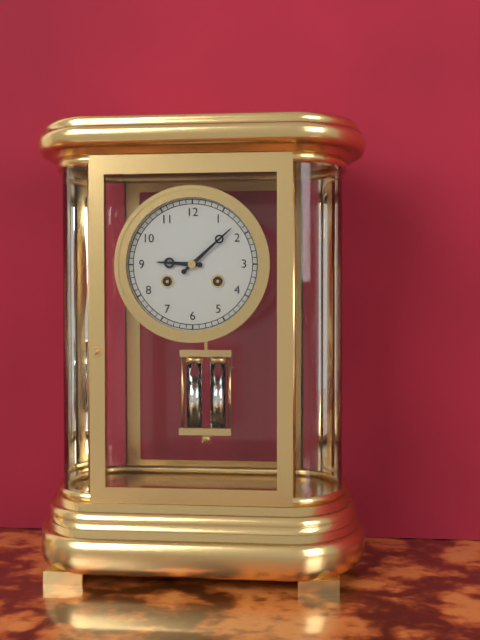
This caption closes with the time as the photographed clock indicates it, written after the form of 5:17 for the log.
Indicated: 9:08
